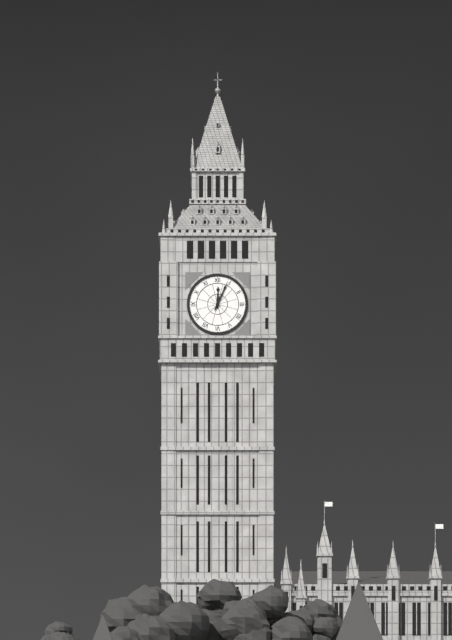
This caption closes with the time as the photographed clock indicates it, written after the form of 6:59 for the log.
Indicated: 12:04
